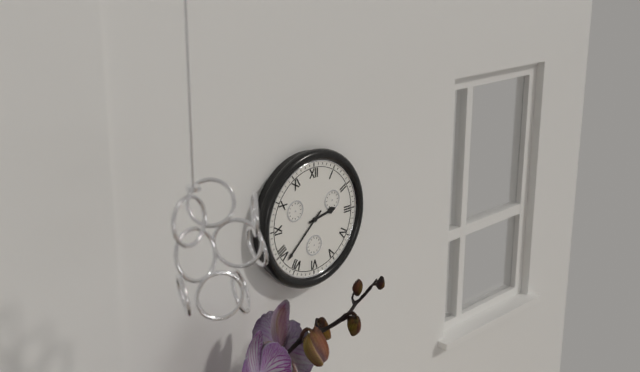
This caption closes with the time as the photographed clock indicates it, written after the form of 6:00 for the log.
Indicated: 2:38
